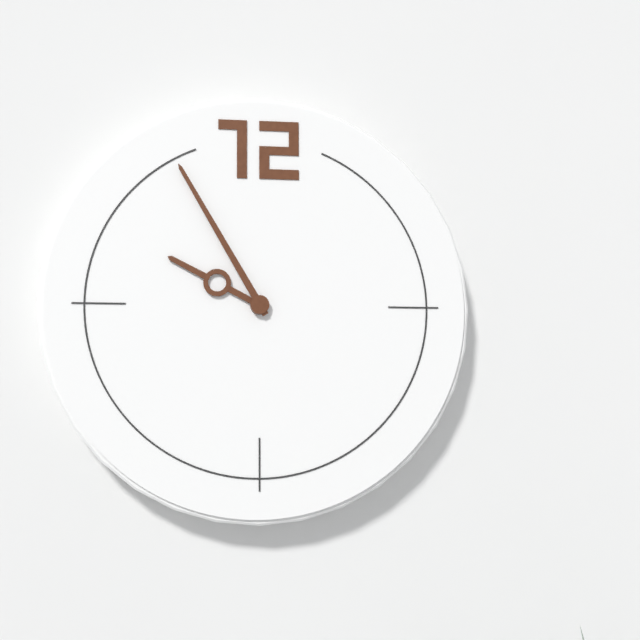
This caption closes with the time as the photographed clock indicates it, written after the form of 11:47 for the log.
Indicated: 9:55
